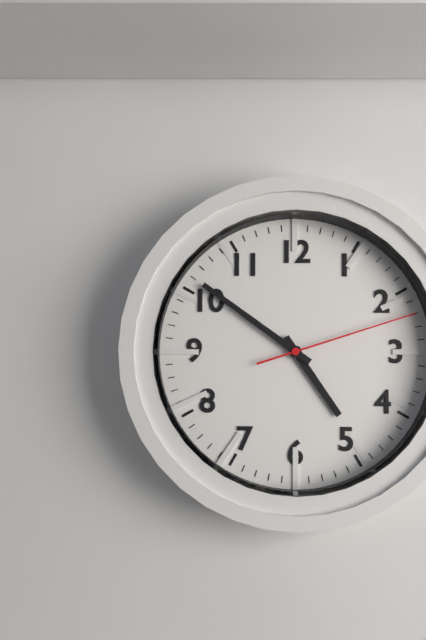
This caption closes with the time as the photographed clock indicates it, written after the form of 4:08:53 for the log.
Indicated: 4:51:12
